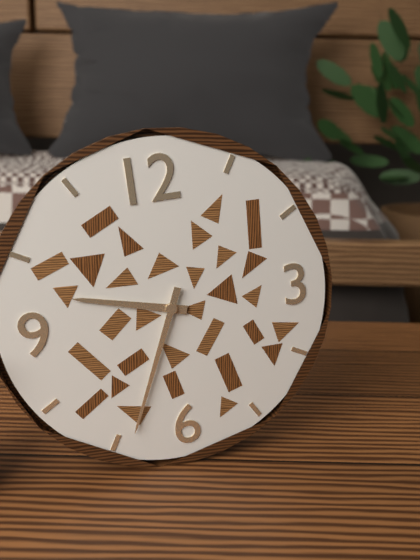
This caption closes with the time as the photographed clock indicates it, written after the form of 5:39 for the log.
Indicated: 9:34
